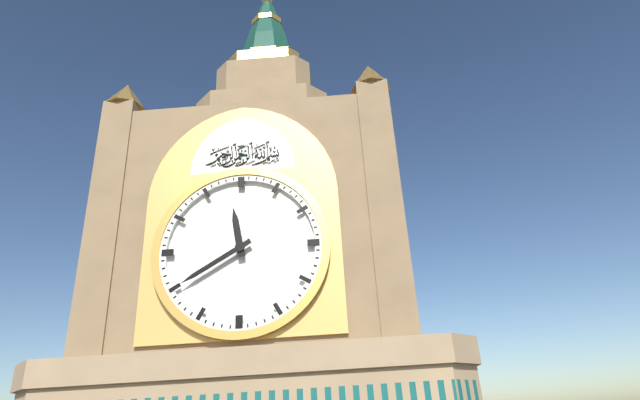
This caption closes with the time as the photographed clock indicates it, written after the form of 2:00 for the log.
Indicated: 11:40
